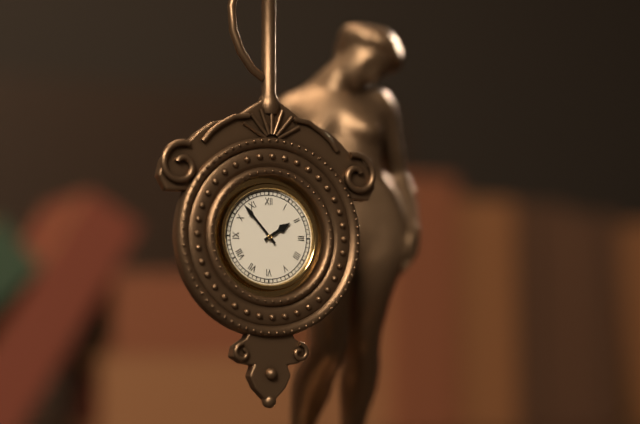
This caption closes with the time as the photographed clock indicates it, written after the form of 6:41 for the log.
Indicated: 1:53
